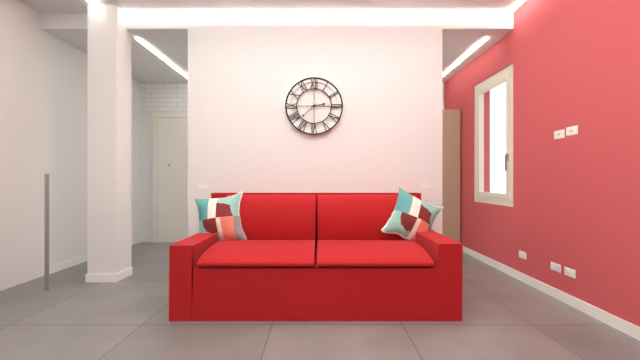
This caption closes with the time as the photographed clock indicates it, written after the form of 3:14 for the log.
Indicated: 2:38
